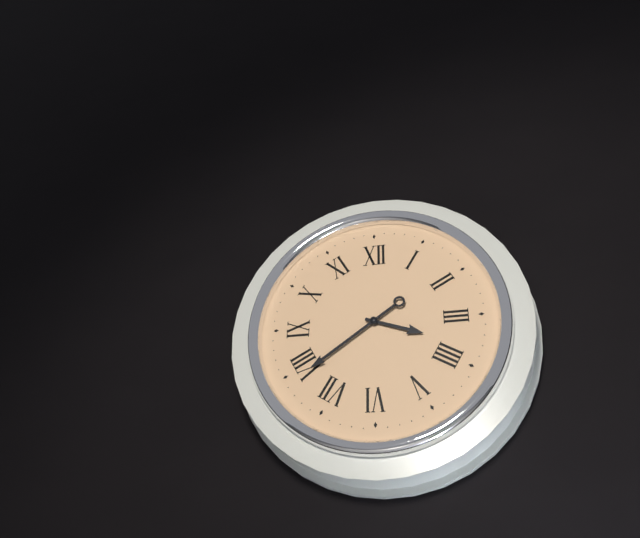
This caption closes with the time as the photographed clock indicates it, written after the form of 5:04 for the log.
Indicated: 3:39
